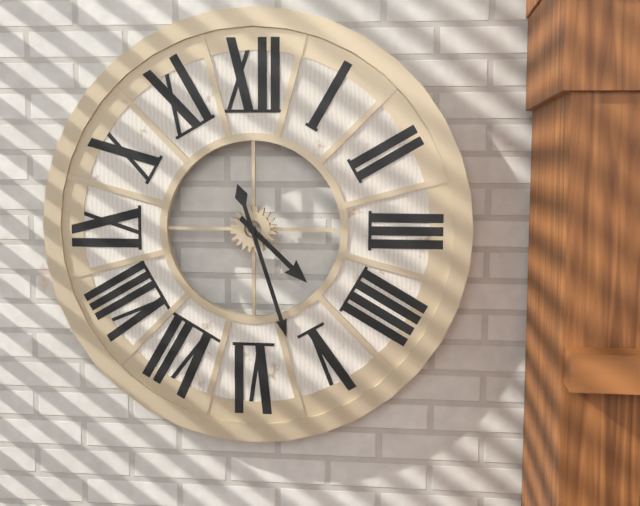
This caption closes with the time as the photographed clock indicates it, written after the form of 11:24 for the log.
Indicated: 4:27
